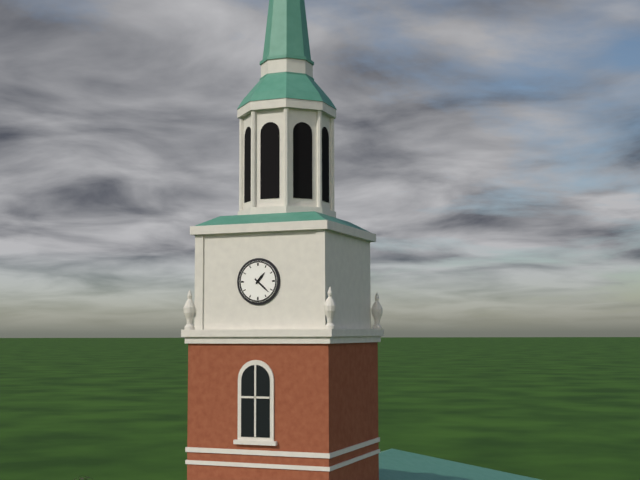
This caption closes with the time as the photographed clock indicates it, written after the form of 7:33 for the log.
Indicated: 1:22
